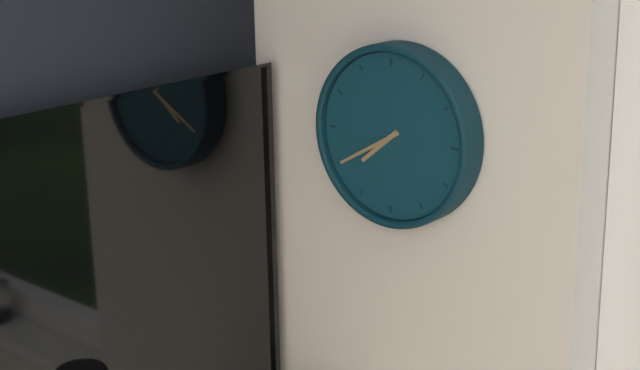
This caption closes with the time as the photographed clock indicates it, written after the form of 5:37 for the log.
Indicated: 7:40
